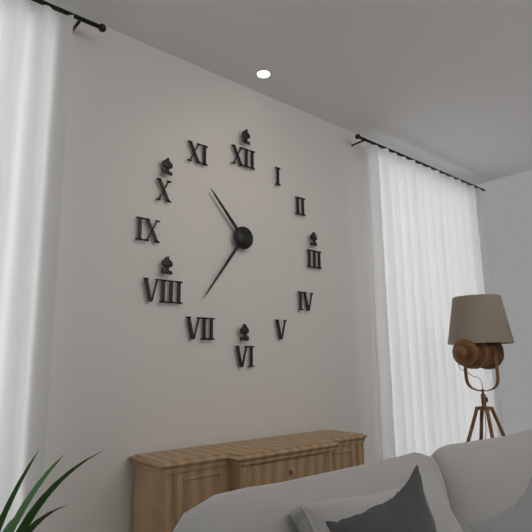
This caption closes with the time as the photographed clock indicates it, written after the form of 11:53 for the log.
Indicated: 10:36
